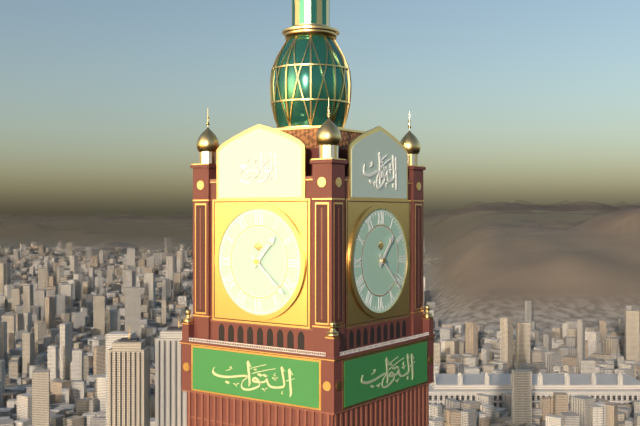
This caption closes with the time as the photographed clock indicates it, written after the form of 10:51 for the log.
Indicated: 1:22
